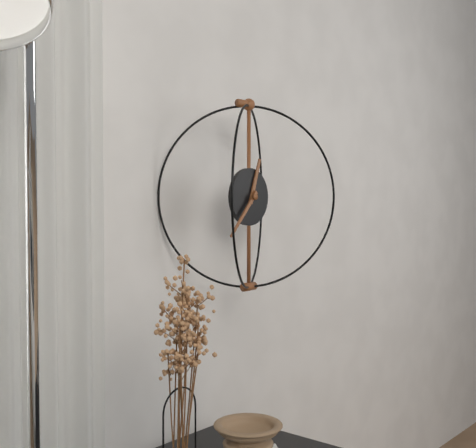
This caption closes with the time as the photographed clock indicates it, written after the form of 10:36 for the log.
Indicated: 12:37
